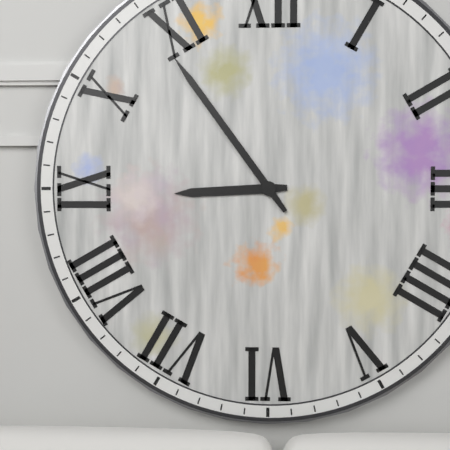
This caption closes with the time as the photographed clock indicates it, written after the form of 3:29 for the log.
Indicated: 8:54
